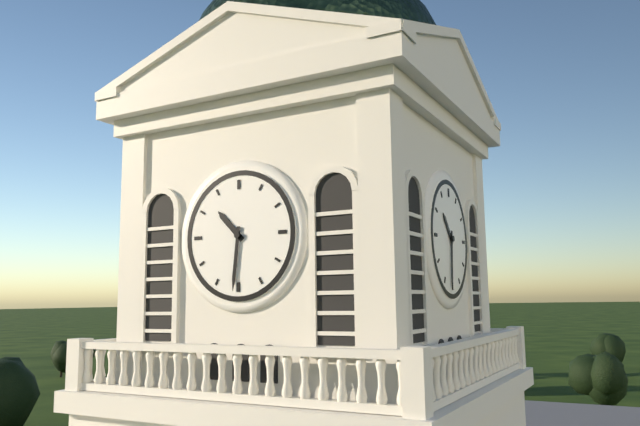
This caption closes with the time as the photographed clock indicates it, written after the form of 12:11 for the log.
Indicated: 10:31
